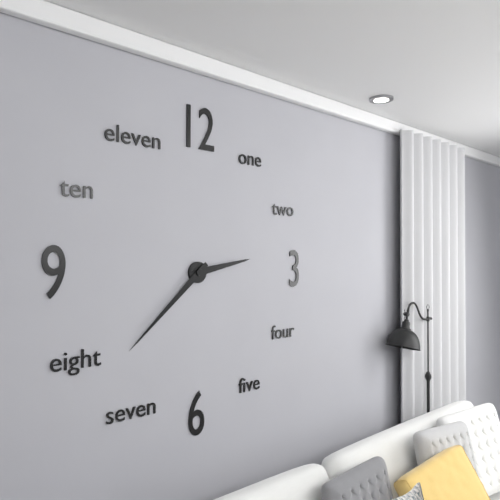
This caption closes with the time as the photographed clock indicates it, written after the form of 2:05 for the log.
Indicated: 2:38
